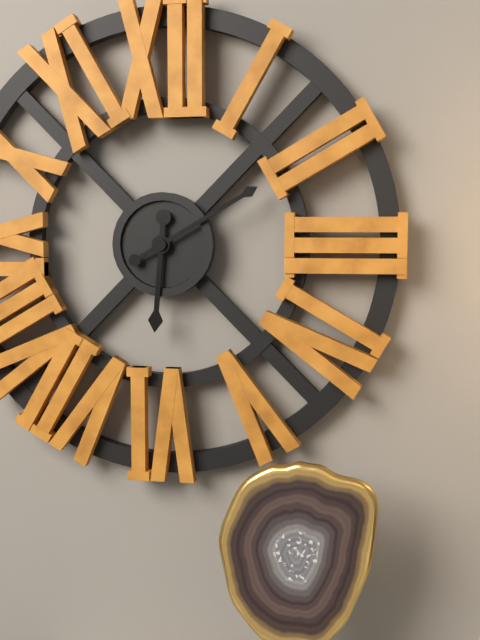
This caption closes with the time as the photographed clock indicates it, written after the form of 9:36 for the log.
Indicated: 6:10
